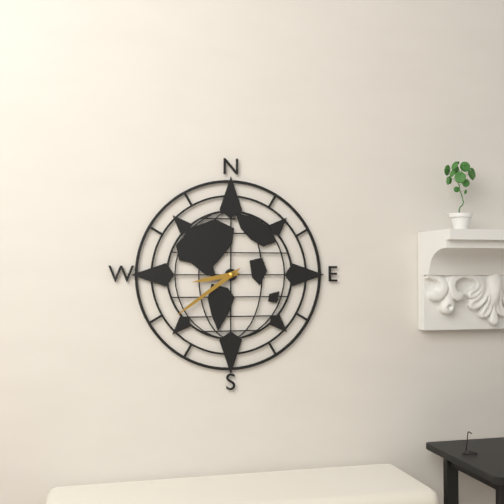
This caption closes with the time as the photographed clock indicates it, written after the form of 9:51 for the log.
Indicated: 8:39
